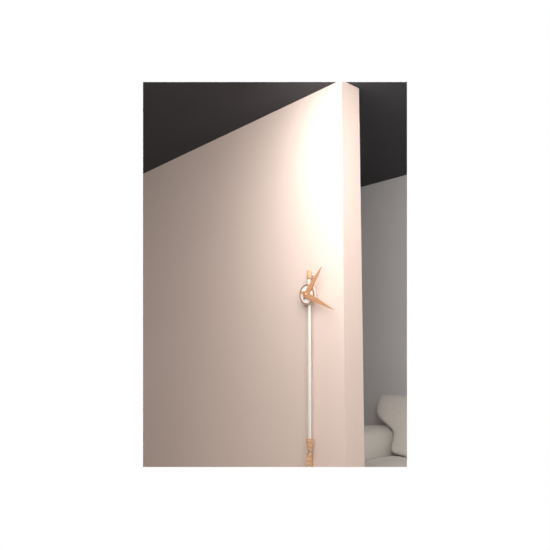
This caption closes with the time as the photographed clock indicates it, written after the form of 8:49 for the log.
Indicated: 1:19
